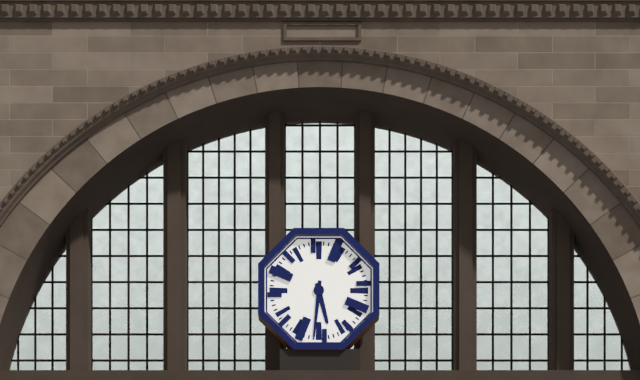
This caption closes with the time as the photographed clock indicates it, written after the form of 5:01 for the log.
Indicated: 5:31
